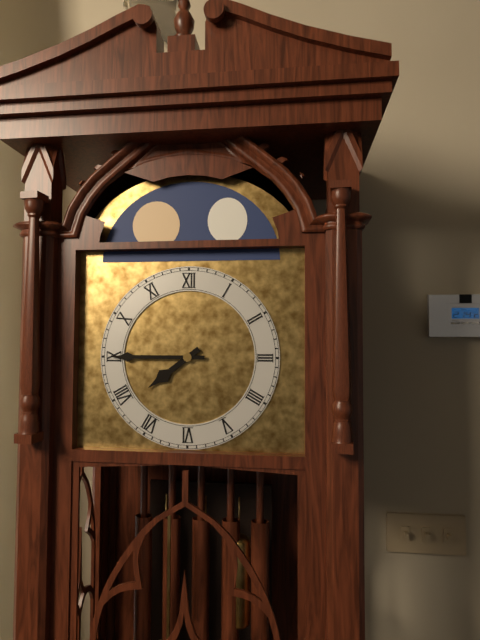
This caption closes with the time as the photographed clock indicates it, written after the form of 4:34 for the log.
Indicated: 7:45
